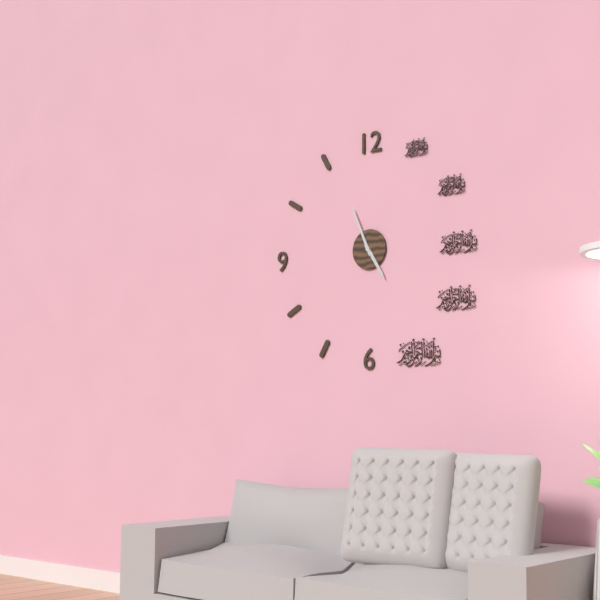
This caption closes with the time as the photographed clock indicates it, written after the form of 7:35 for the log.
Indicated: 4:56
